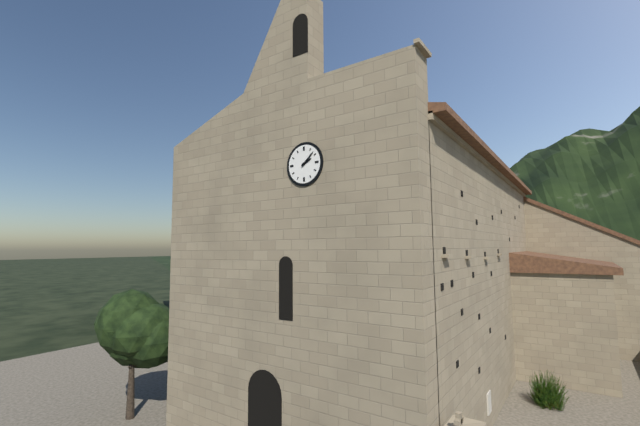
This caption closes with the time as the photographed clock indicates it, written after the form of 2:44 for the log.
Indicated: 2:08
